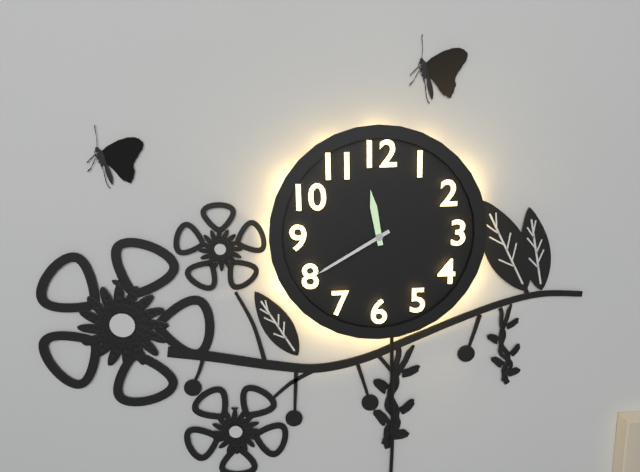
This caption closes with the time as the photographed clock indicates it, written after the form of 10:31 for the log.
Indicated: 11:40
